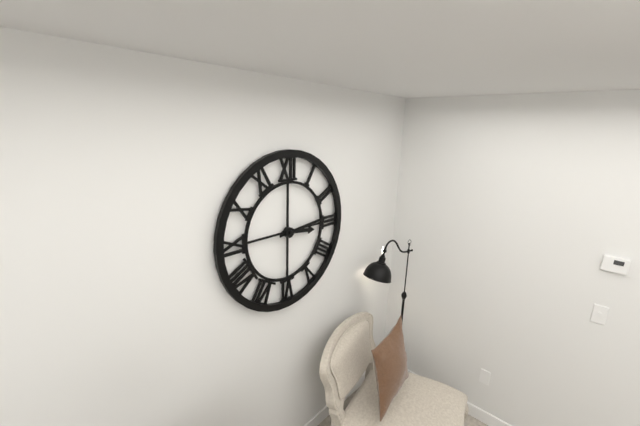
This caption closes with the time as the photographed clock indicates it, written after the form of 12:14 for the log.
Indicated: 3:14
